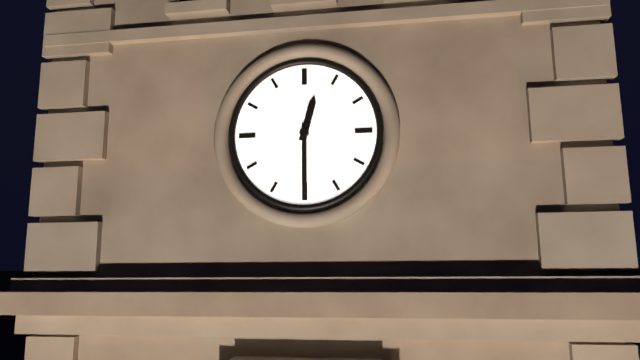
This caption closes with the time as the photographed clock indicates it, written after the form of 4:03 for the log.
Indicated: 12:30
